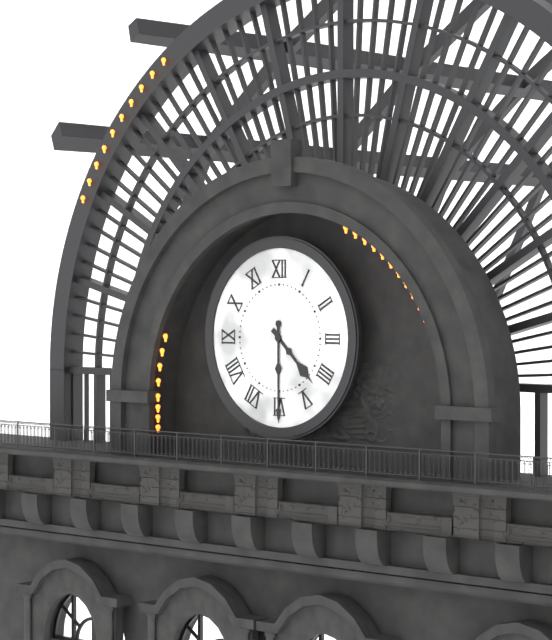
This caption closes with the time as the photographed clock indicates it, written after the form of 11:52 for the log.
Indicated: 4:30
